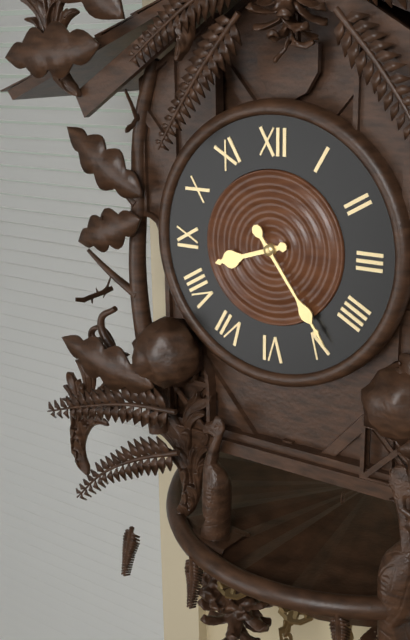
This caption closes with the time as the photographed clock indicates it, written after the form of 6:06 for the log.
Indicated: 8:24
